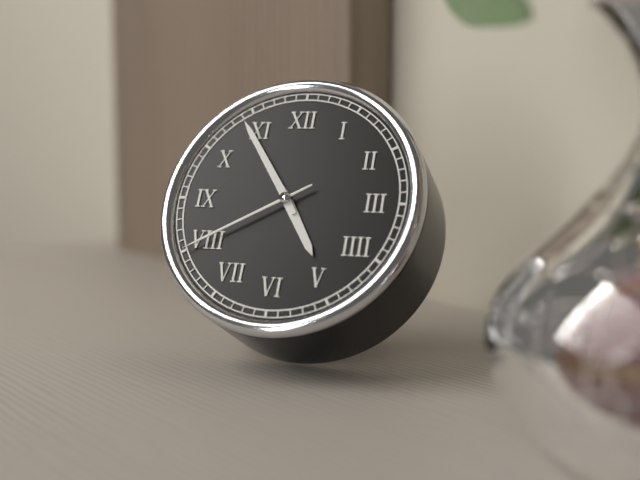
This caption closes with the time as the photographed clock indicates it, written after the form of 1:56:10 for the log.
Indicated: 4:54:40
